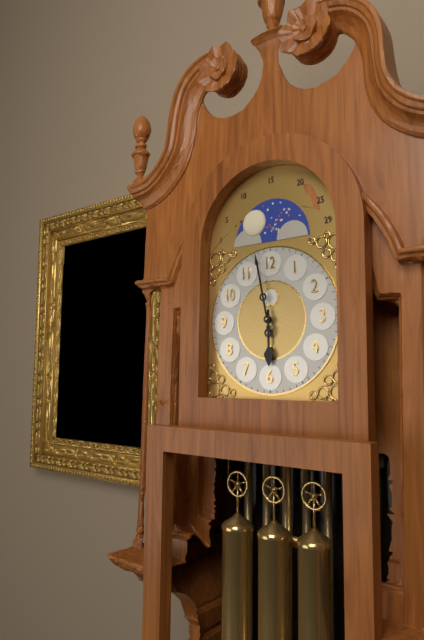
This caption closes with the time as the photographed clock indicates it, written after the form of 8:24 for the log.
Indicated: 5:58
